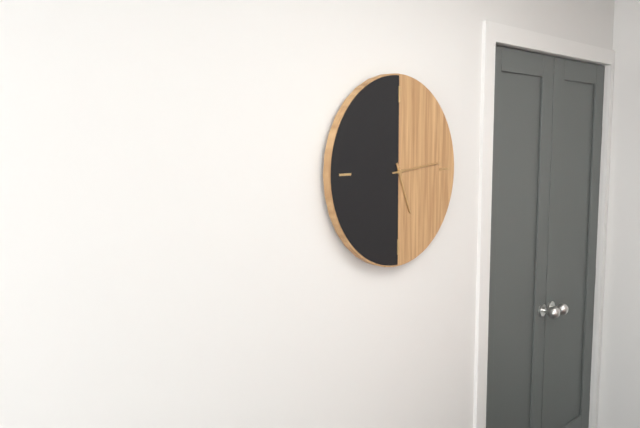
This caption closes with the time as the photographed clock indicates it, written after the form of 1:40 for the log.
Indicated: 5:14
